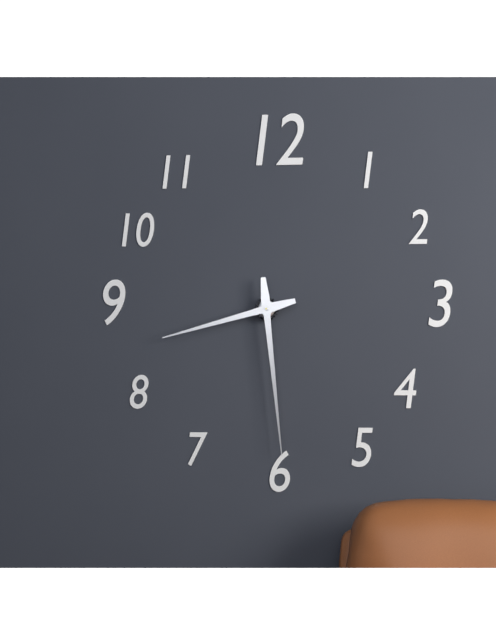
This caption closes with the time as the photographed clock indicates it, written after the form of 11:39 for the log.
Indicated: 8:29
